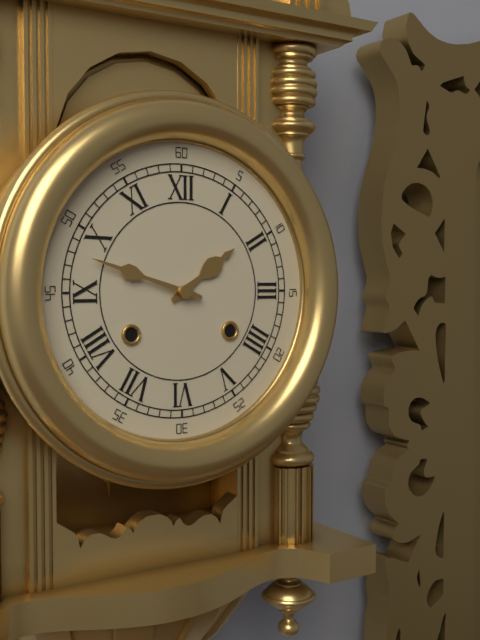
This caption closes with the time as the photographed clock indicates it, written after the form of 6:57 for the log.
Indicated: 1:48
